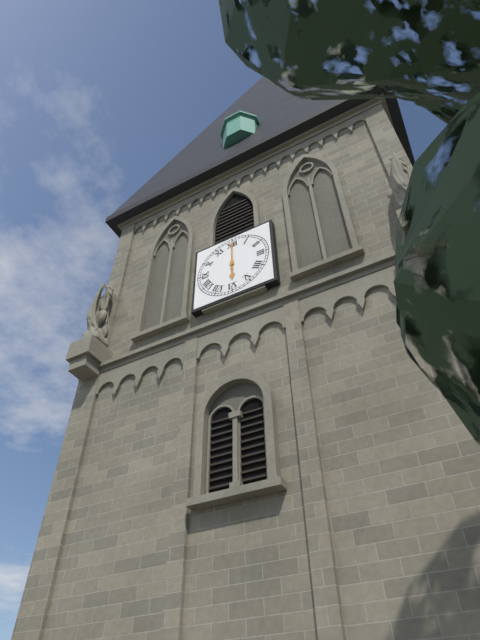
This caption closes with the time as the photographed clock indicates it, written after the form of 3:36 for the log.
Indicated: 6:00
